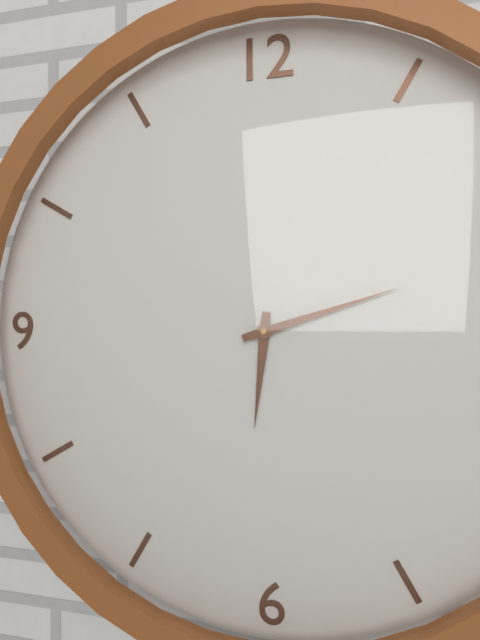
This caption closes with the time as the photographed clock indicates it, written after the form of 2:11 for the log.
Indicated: 6:12
